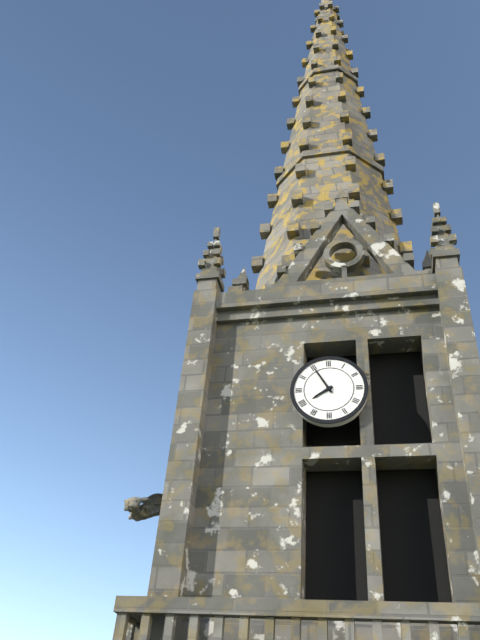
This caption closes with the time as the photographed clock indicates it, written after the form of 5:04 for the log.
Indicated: 7:55
